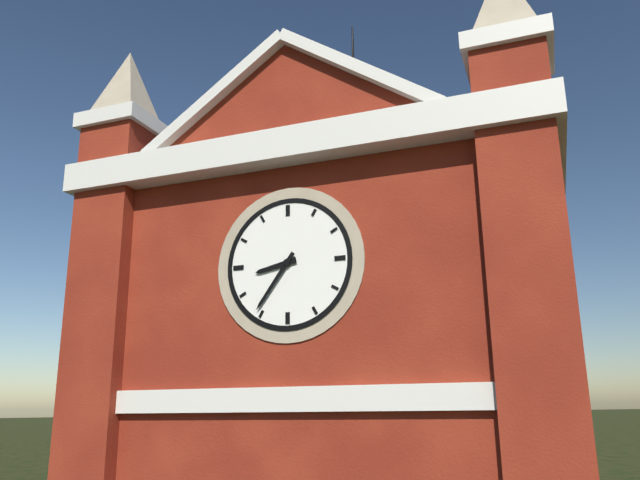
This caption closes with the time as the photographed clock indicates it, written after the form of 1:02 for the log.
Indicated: 8:36
